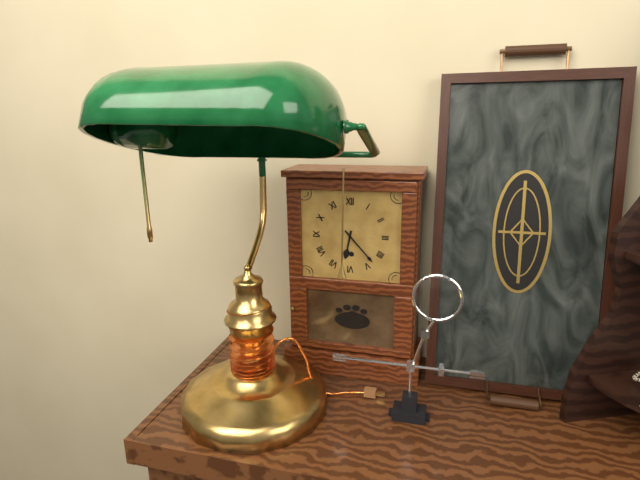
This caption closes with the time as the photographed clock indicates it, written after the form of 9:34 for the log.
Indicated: 6:23
